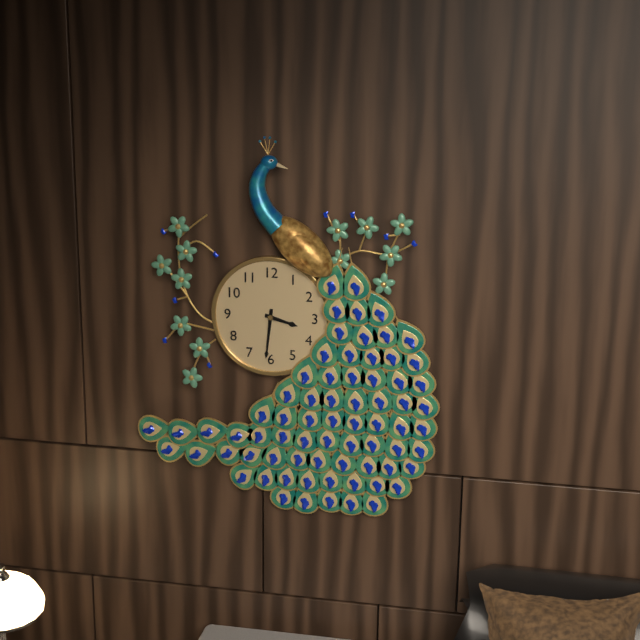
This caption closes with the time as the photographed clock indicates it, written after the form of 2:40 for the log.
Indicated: 3:31
